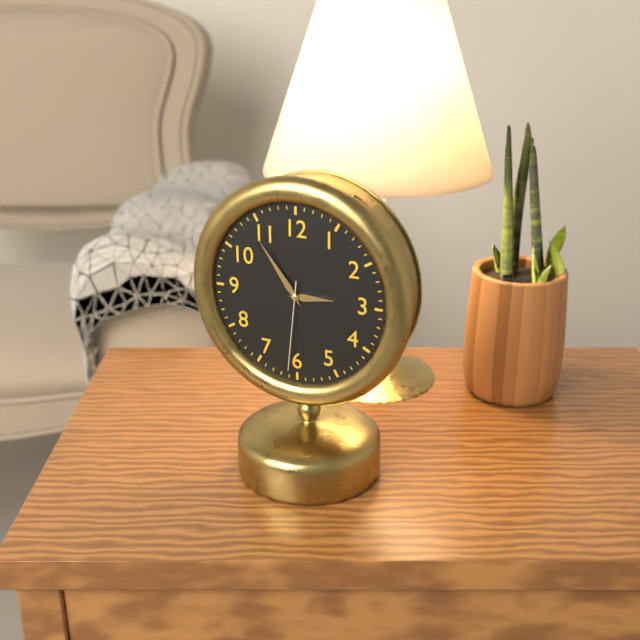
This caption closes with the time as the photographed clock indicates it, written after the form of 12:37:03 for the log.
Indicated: 2:54:31
